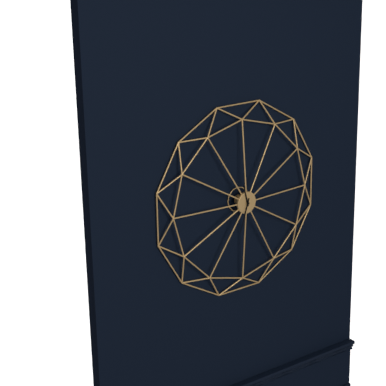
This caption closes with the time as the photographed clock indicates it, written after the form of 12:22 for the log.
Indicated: 11:33
